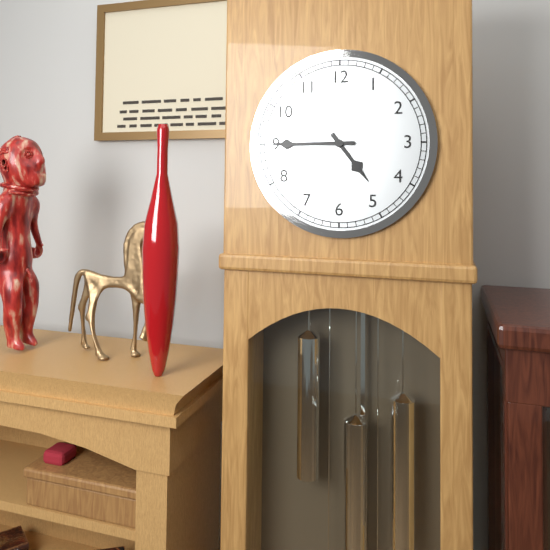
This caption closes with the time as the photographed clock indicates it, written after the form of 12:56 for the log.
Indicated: 4:45
